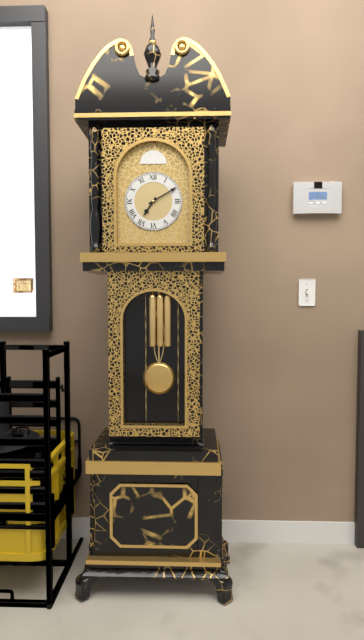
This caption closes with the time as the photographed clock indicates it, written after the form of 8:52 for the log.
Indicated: 7:10
